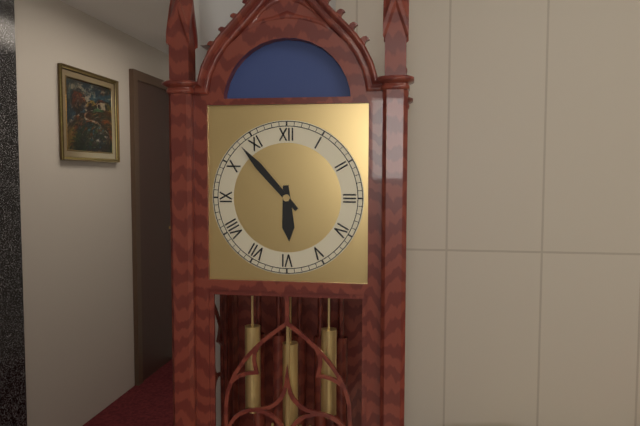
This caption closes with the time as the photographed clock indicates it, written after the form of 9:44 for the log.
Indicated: 5:53
